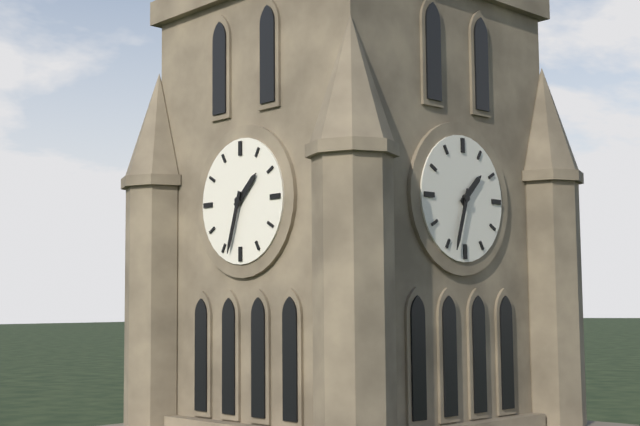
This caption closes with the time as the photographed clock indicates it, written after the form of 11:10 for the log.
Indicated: 1:33
